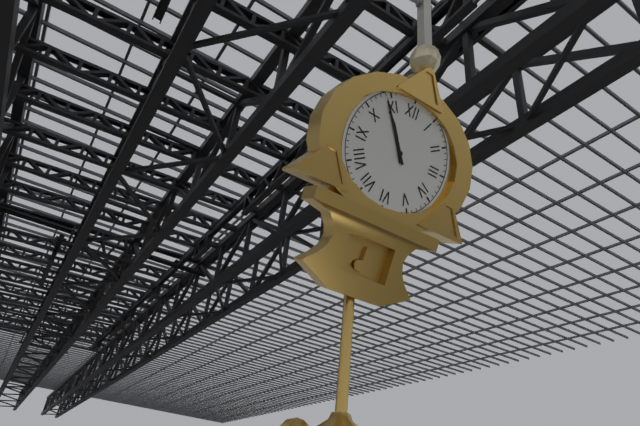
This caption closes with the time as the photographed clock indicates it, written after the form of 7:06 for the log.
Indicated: 10:54
